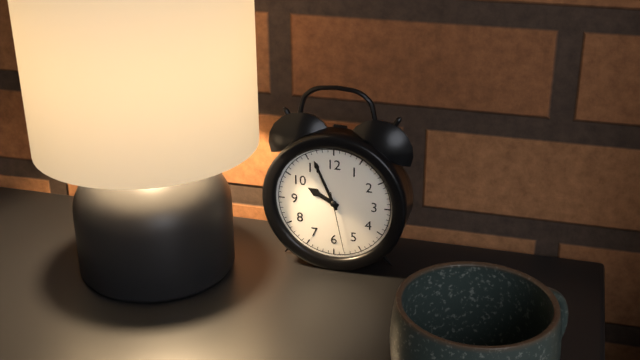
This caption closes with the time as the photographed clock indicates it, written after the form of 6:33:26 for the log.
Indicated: 9:56:28
